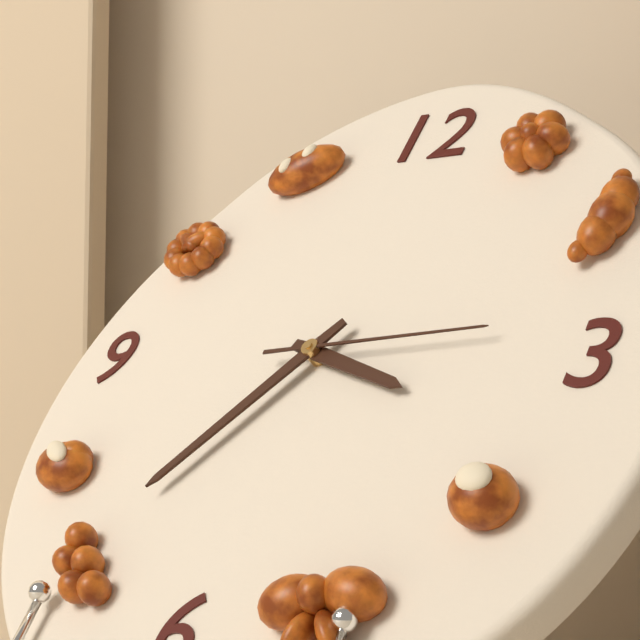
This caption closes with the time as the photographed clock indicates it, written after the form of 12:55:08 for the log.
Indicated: 3:36:14
